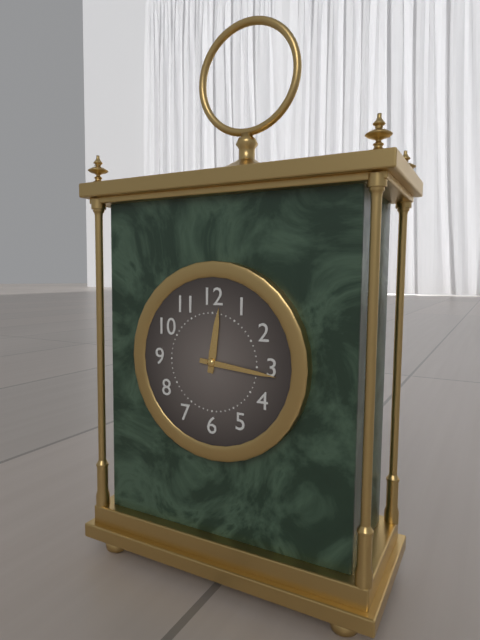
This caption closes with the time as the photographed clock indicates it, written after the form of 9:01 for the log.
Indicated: 12:16
